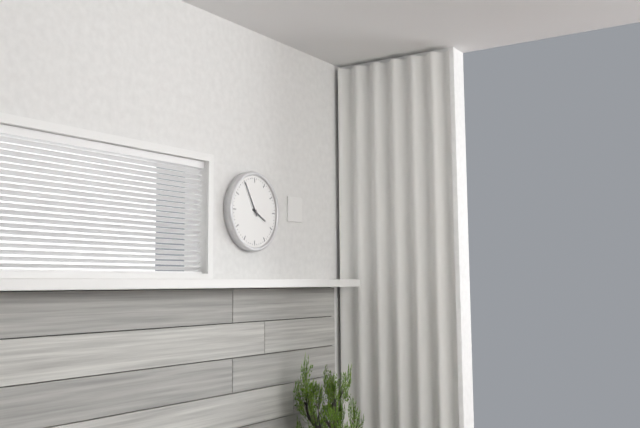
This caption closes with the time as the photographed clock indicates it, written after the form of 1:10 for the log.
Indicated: 3:55
